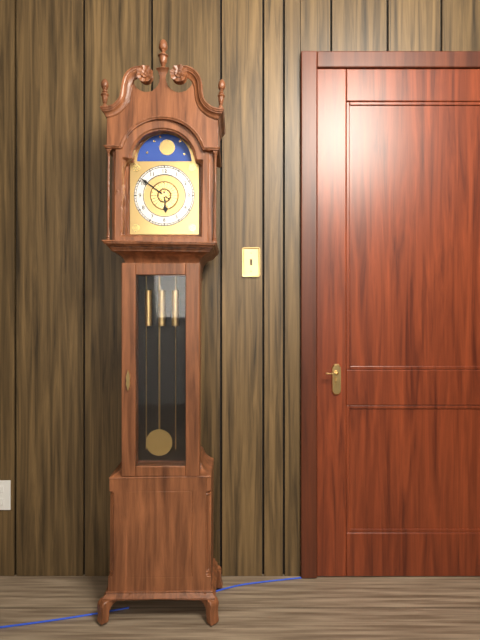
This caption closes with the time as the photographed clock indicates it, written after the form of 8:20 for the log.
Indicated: 5:51
